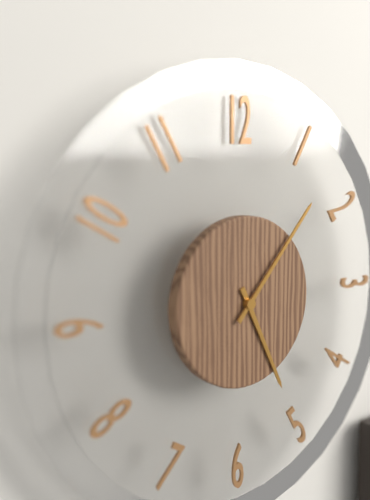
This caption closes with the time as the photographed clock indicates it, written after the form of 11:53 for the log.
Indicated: 5:07
